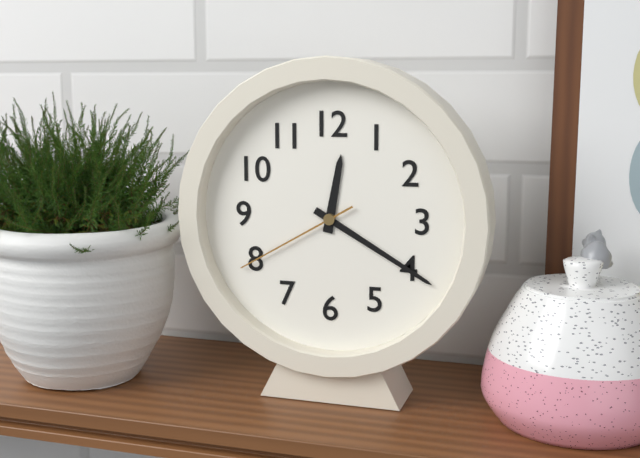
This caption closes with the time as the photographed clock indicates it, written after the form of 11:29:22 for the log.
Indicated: 12:20:40
